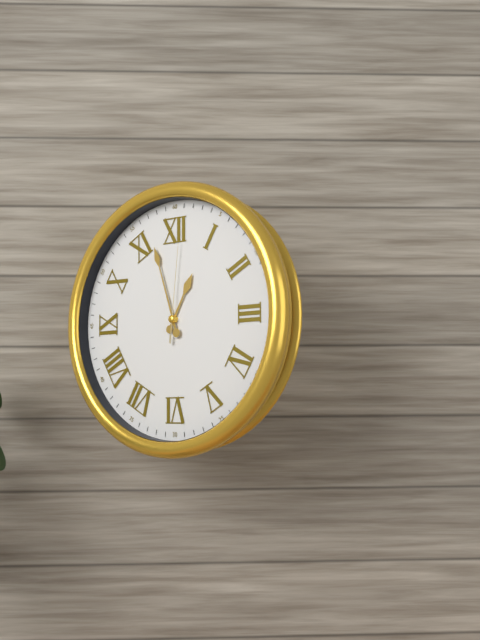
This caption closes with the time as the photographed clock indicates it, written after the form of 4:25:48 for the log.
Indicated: 12:57:01
